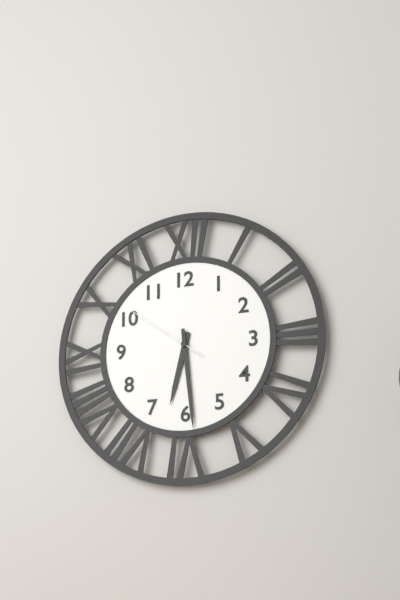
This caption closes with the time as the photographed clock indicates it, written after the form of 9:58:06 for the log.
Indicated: 6:29:51
